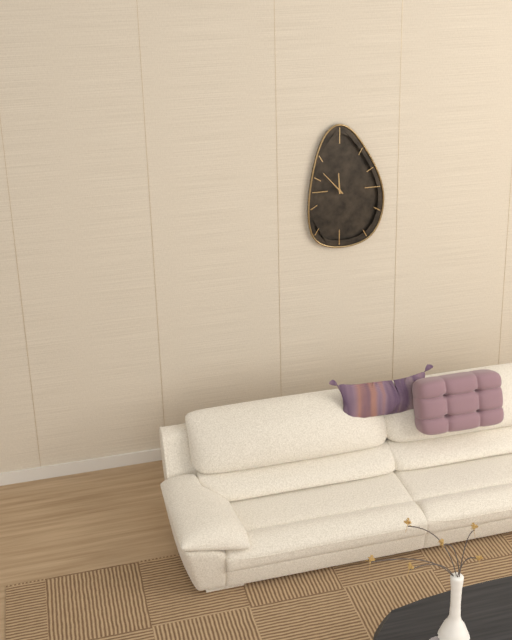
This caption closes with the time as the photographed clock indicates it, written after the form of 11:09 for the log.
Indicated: 11:53
